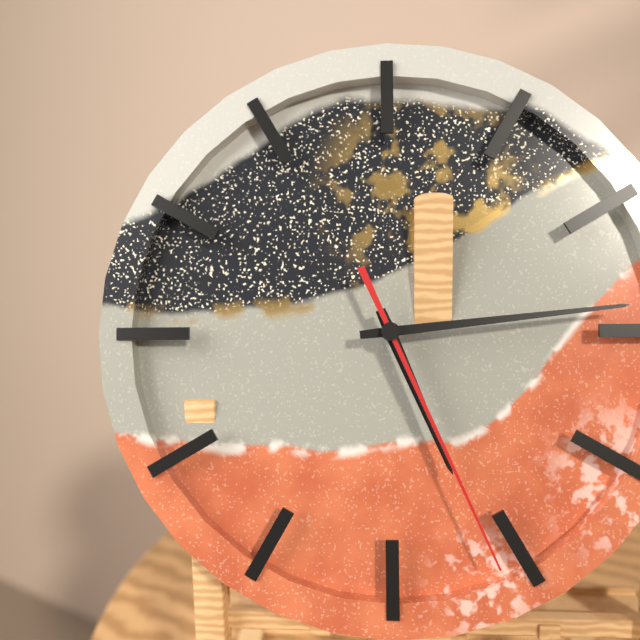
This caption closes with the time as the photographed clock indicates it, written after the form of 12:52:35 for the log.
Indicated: 5:14:26
